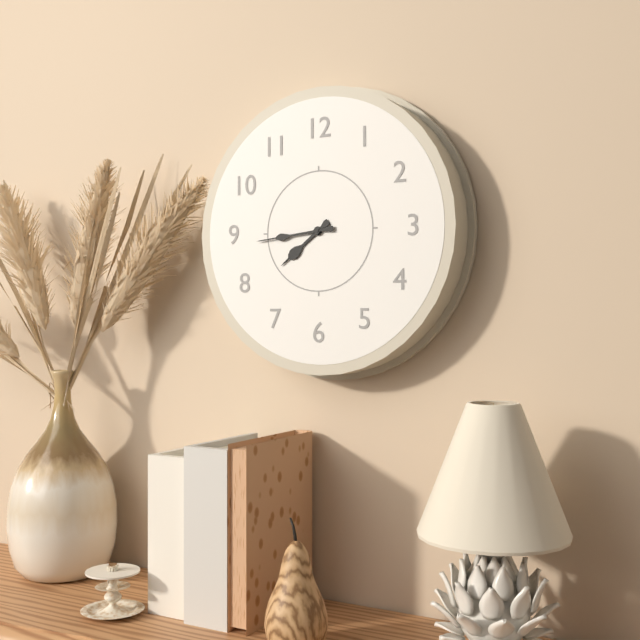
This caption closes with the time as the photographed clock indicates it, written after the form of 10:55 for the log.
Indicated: 7:44
